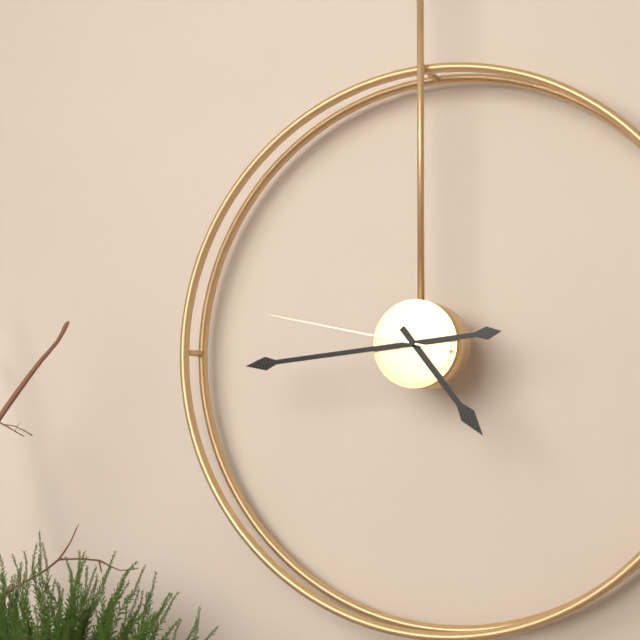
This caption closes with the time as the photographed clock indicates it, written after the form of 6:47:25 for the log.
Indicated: 4:44:47
